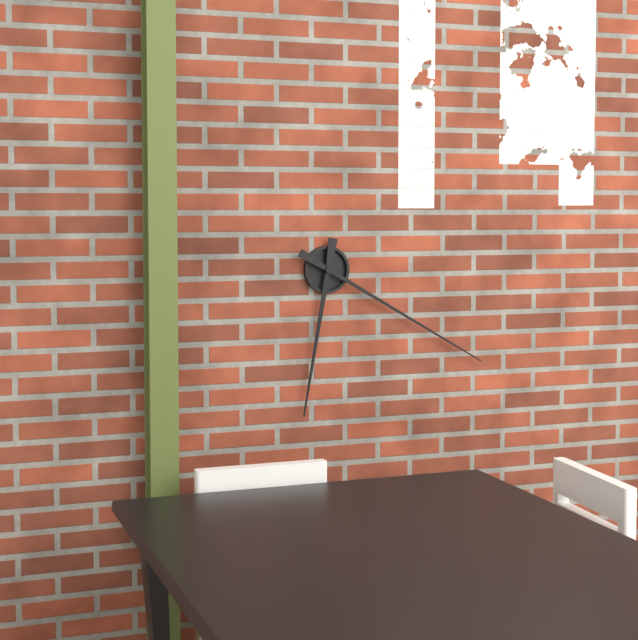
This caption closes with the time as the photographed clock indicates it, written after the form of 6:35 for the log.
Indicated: 6:20
